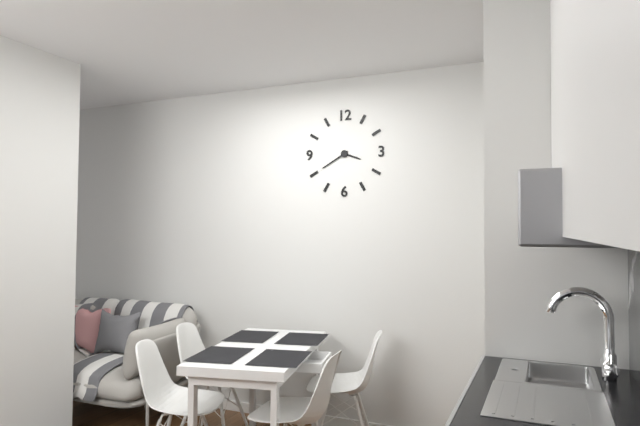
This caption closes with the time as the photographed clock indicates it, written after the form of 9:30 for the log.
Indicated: 3:40
